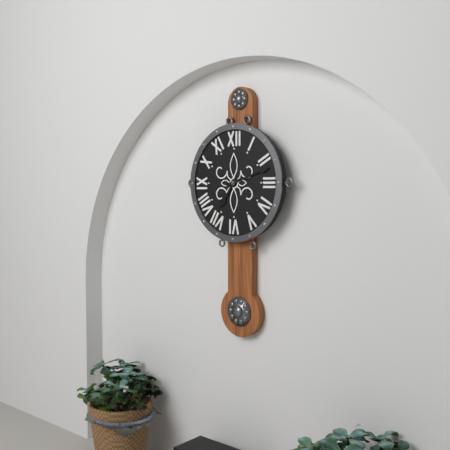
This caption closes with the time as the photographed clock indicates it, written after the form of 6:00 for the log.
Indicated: 7:12
